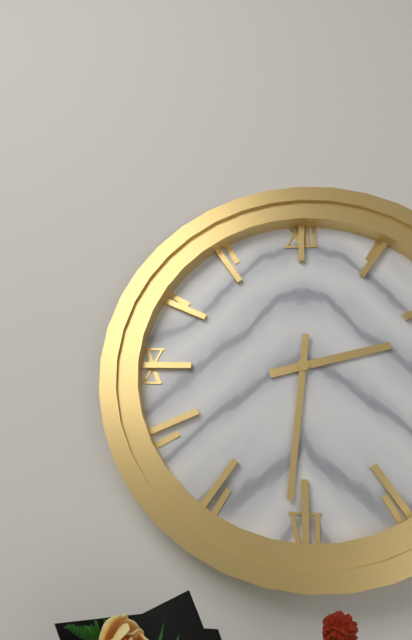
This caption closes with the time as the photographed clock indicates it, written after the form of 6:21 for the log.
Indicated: 2:31
